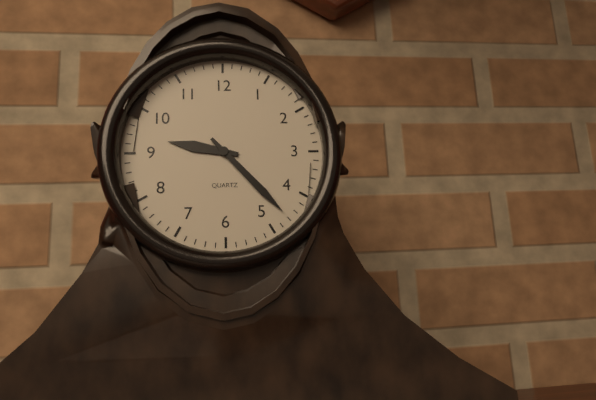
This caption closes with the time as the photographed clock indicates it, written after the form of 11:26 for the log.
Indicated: 9:23
